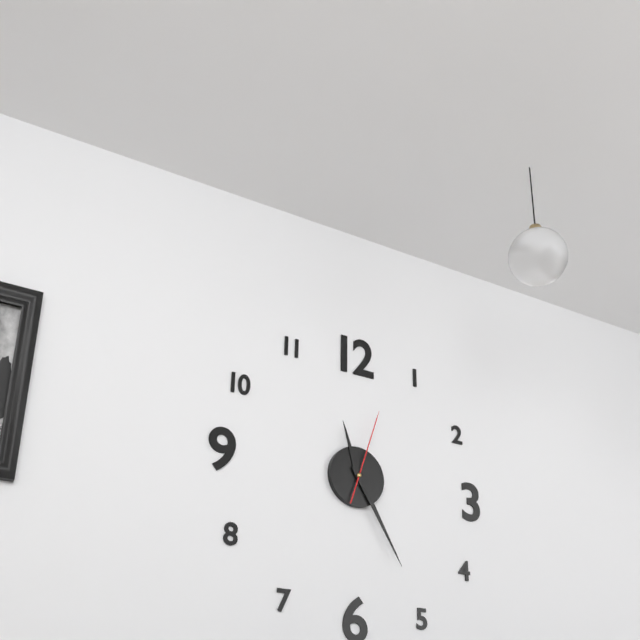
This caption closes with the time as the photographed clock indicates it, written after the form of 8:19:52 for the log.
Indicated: 11:25:03
